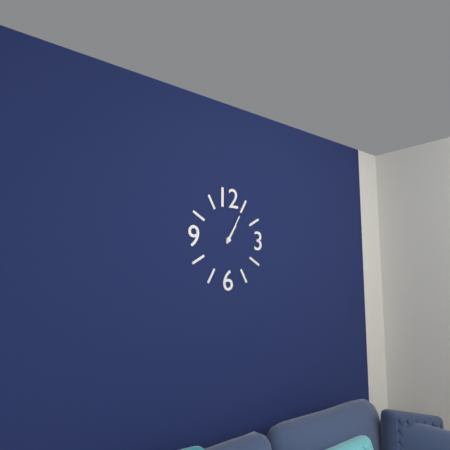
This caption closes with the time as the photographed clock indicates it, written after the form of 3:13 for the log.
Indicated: 1:05
